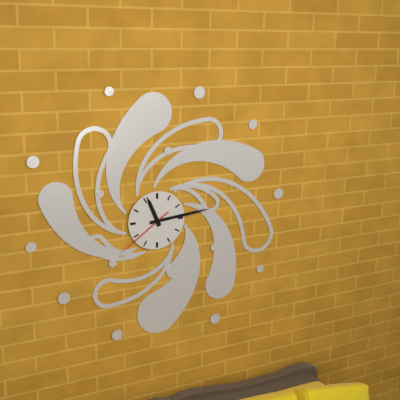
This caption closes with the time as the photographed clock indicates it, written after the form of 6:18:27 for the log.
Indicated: 11:14:39
